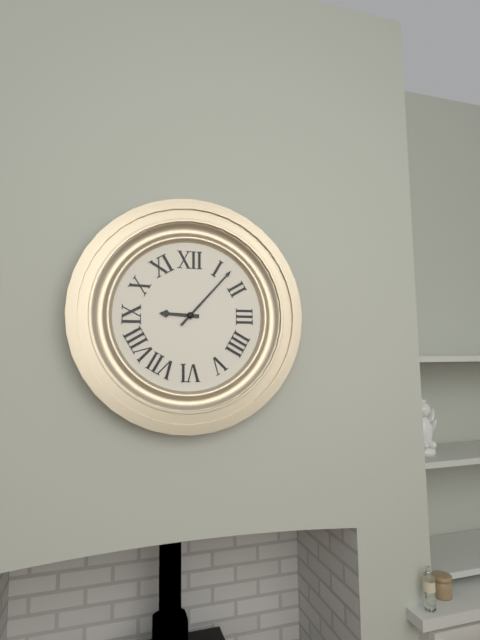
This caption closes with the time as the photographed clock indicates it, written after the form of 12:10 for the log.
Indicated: 9:07
